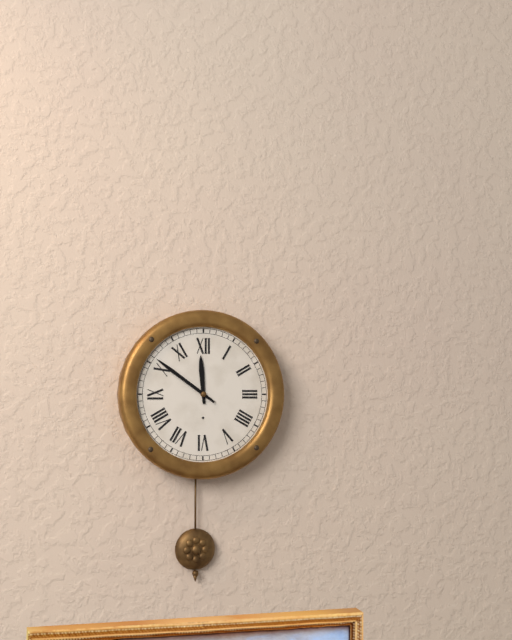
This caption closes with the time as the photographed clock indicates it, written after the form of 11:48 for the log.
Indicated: 11:51
